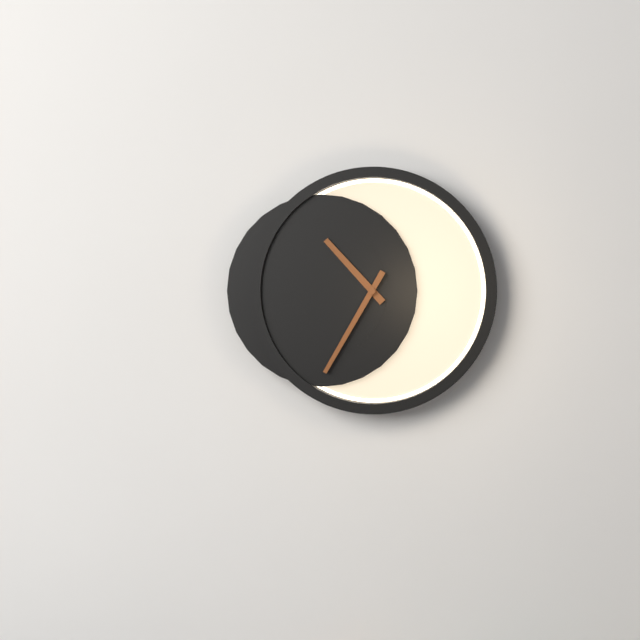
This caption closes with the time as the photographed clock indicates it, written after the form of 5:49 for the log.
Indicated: 10:35
